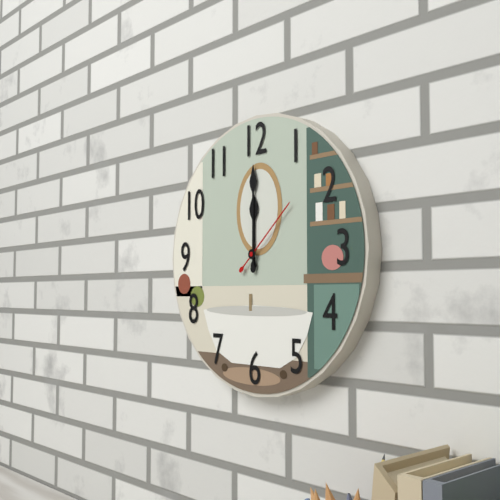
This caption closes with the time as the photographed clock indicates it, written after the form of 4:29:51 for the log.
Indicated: 12:00:08
